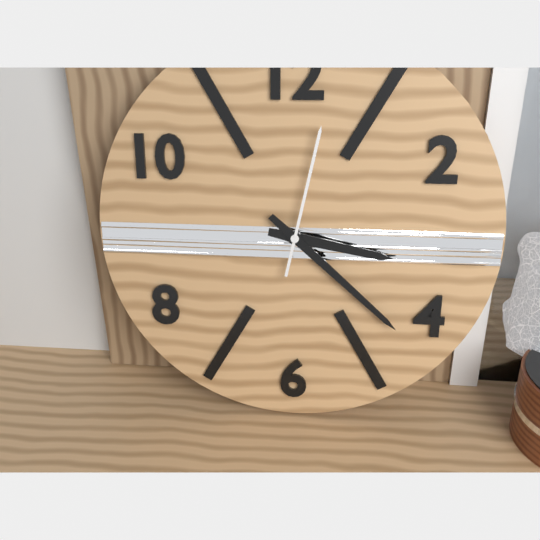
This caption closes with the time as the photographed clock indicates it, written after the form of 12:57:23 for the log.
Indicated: 3:22:02
